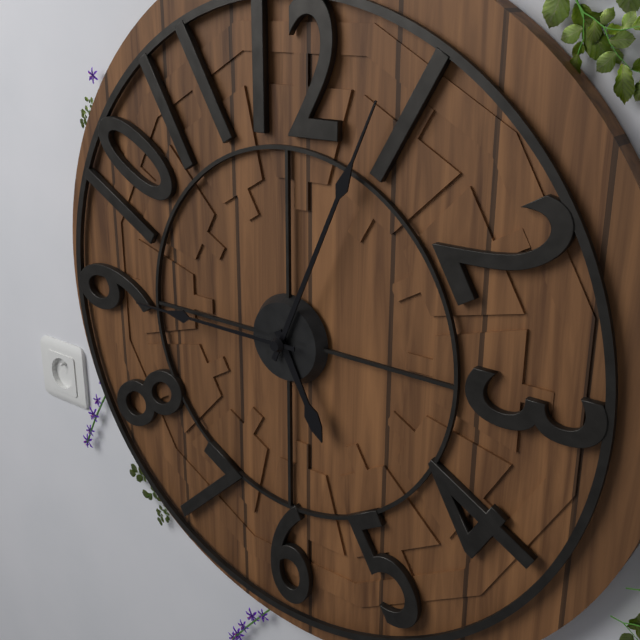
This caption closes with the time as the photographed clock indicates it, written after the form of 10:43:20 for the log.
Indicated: 5:04:45
